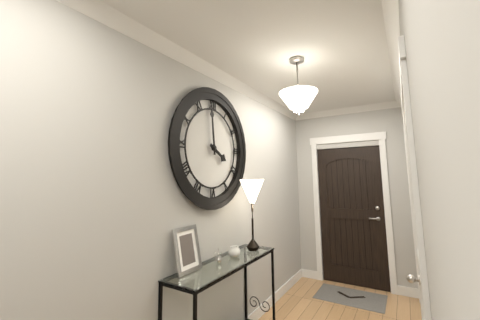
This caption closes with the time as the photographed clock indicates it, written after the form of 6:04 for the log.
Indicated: 3:59
